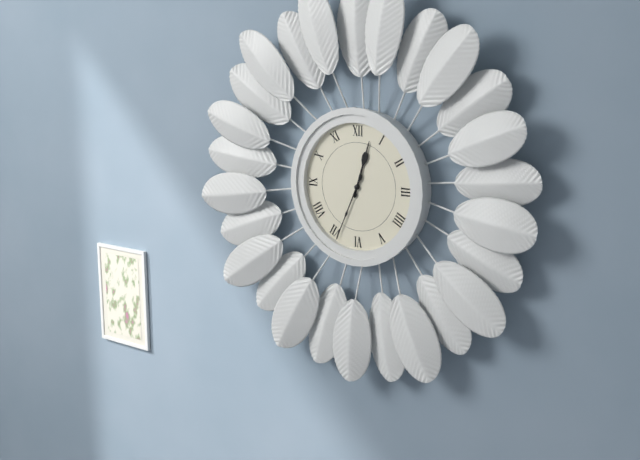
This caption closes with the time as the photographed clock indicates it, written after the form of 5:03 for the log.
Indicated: 12:34
